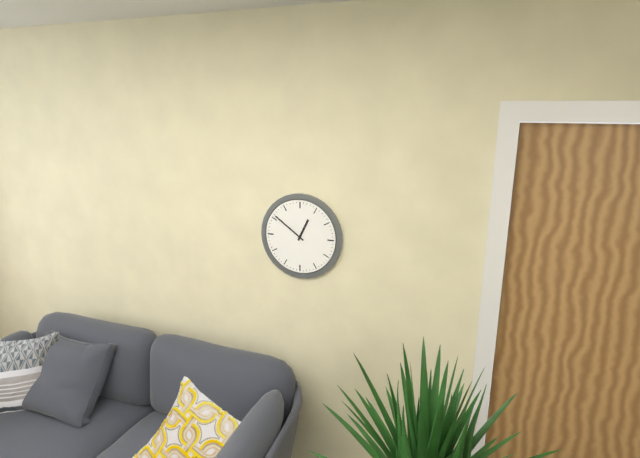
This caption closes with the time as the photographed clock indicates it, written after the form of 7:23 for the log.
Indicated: 12:51
